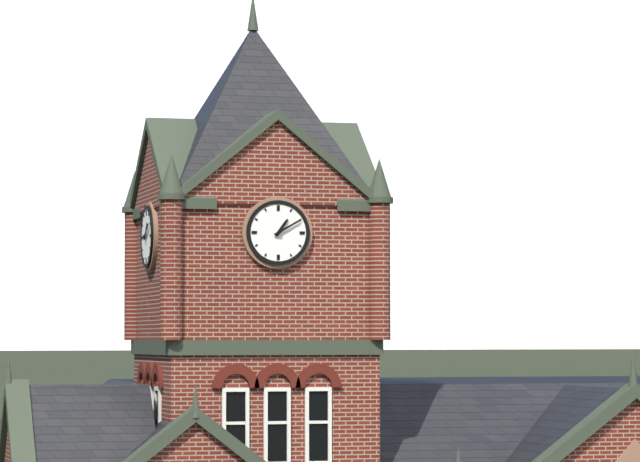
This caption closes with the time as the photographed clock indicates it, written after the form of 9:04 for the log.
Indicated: 1:10
